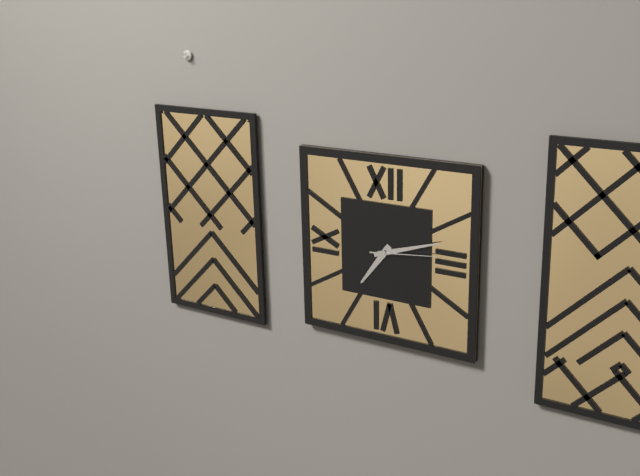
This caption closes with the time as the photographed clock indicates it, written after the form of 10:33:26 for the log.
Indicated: 7:12:14
